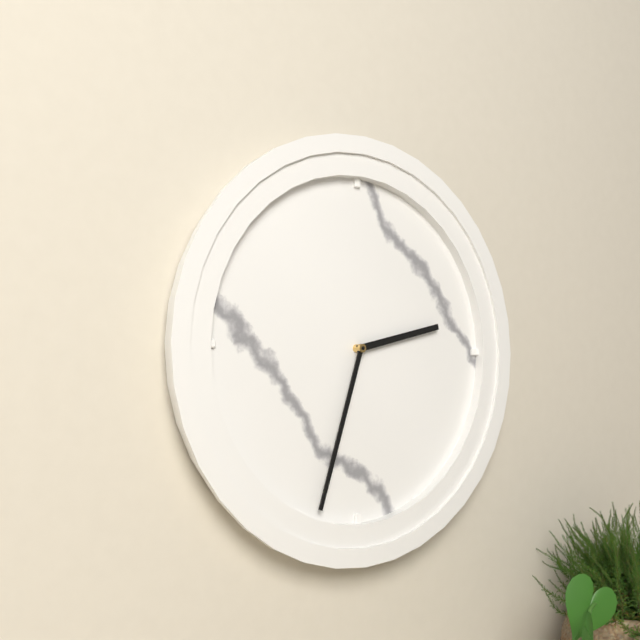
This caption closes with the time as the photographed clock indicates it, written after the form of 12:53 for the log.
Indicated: 2:33
